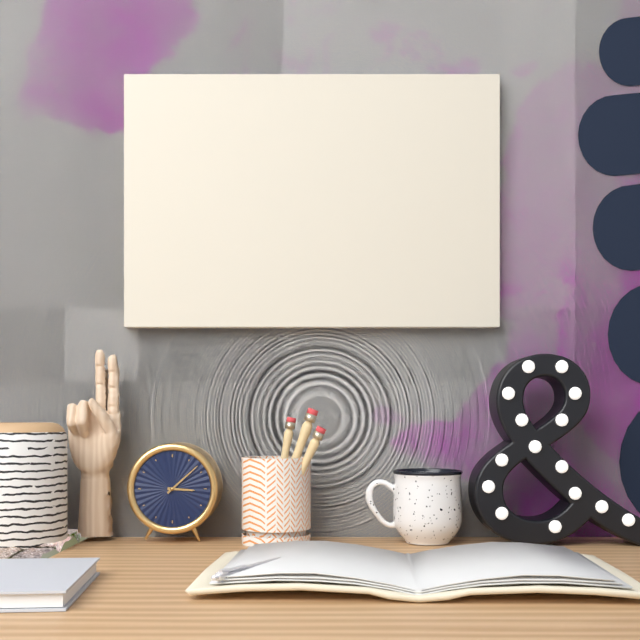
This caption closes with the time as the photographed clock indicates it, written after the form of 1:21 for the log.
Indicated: 3:08
